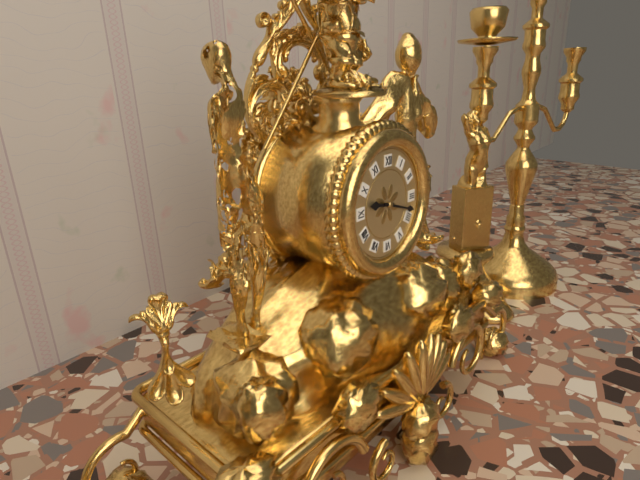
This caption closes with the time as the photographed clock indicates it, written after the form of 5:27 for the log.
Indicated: 9:18
